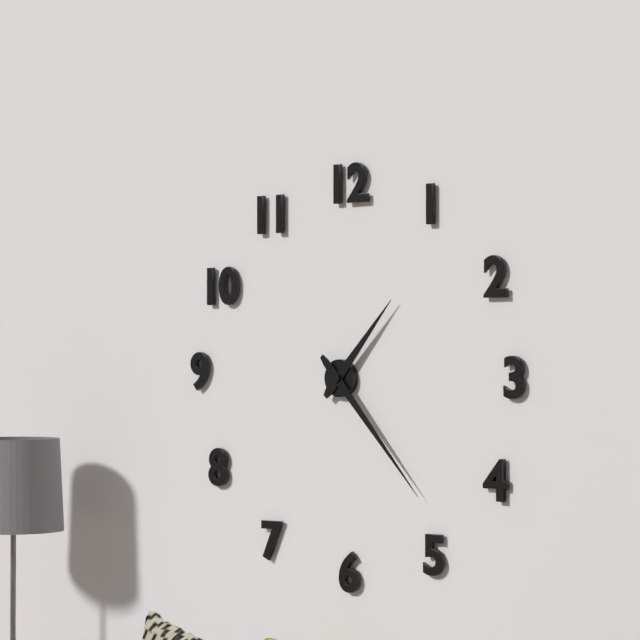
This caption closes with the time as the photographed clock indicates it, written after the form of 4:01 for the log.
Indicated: 1:23
